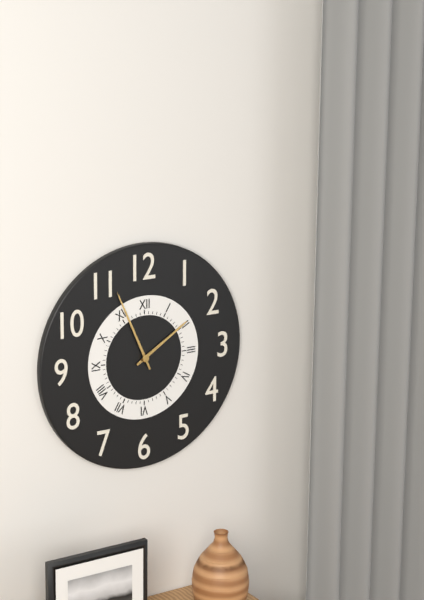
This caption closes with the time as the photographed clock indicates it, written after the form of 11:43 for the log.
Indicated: 1:56
